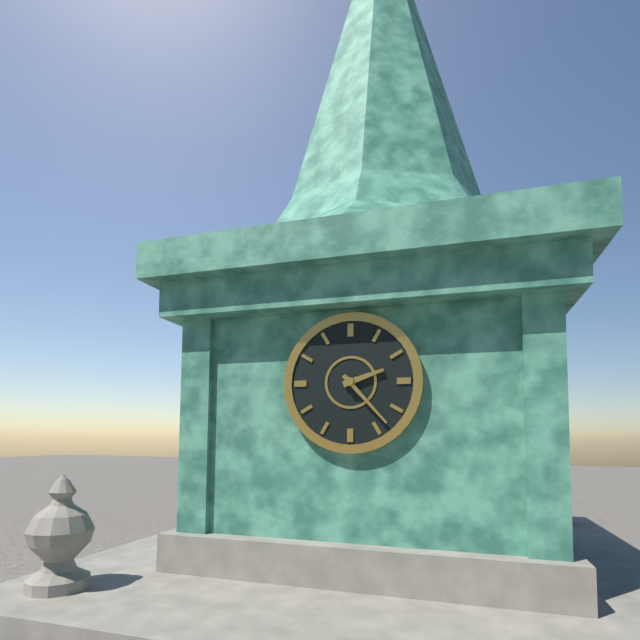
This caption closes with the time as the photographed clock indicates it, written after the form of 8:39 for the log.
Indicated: 2:23
